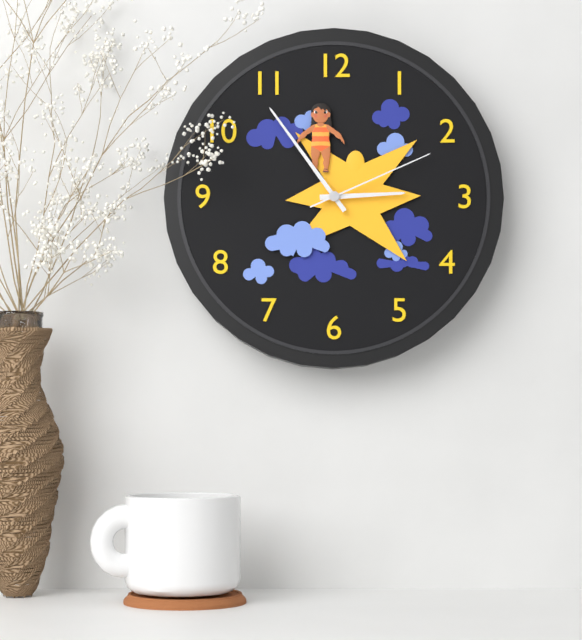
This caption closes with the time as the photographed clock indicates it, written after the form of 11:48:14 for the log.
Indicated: 2:54:11
